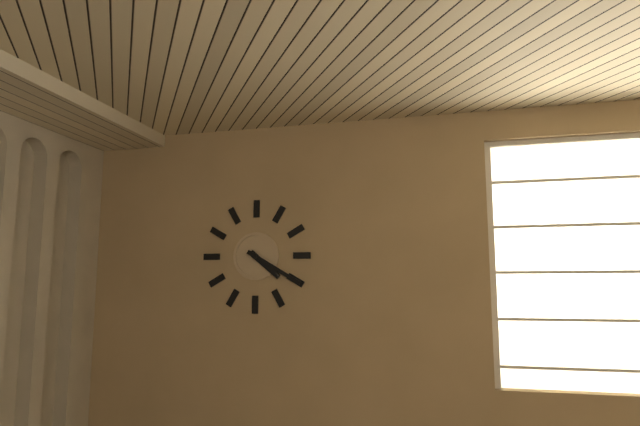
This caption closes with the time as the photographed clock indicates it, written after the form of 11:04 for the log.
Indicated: 4:20
